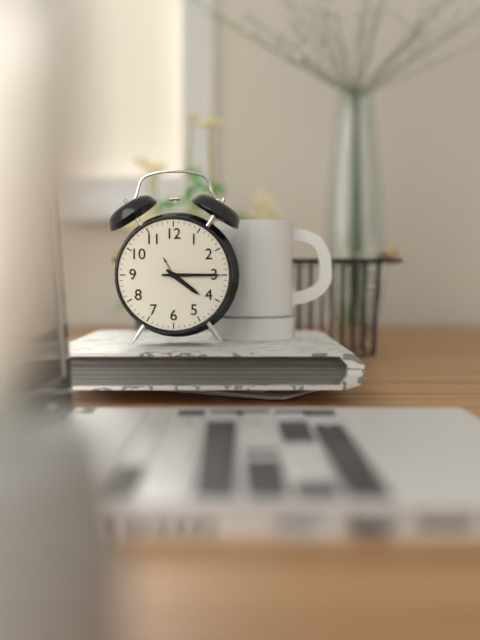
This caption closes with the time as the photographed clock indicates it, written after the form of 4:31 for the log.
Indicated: 4:15
